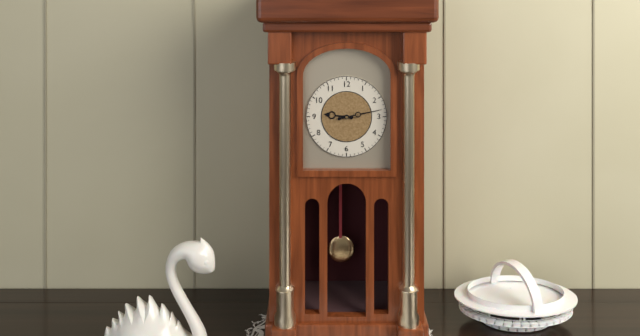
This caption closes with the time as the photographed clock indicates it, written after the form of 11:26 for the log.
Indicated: 9:13
